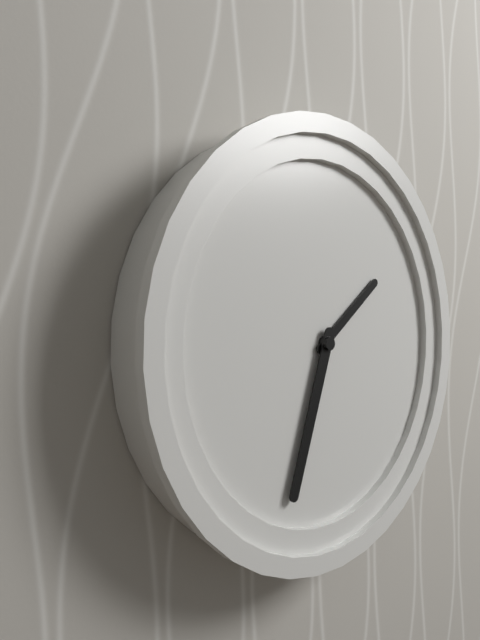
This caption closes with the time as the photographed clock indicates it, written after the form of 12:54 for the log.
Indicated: 1:32
